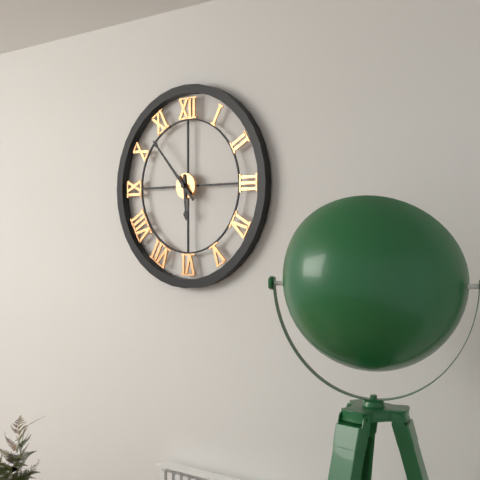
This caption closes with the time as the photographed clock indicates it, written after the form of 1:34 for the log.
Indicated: 5:53
